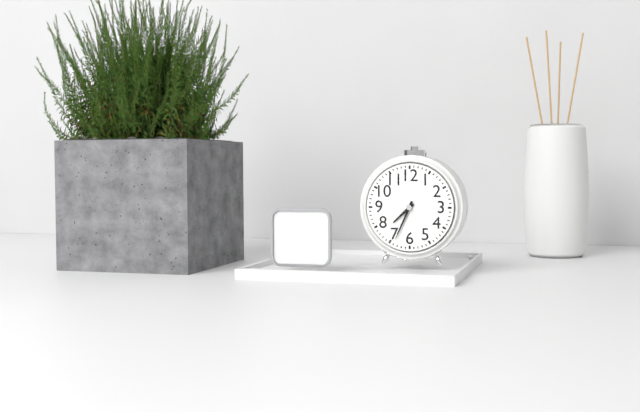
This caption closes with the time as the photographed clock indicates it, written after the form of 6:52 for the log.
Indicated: 7:34
